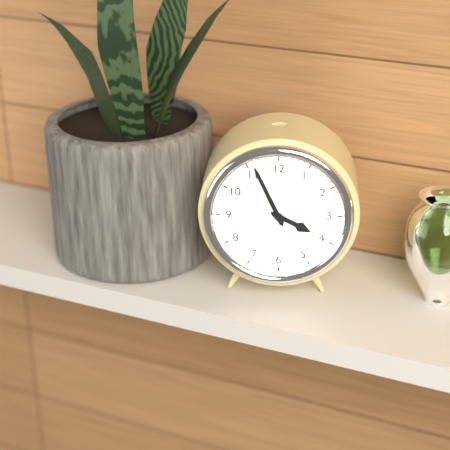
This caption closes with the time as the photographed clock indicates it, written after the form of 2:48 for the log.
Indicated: 3:56
